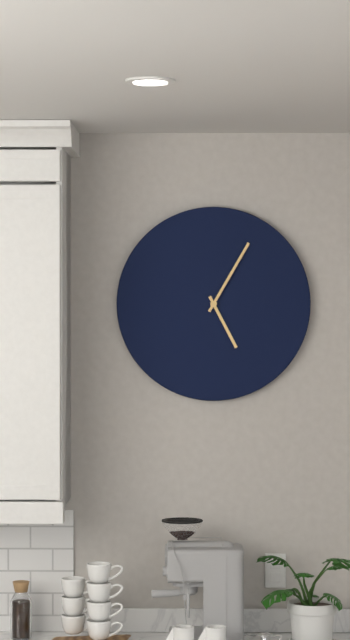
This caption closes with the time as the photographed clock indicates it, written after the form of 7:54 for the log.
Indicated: 5:05
